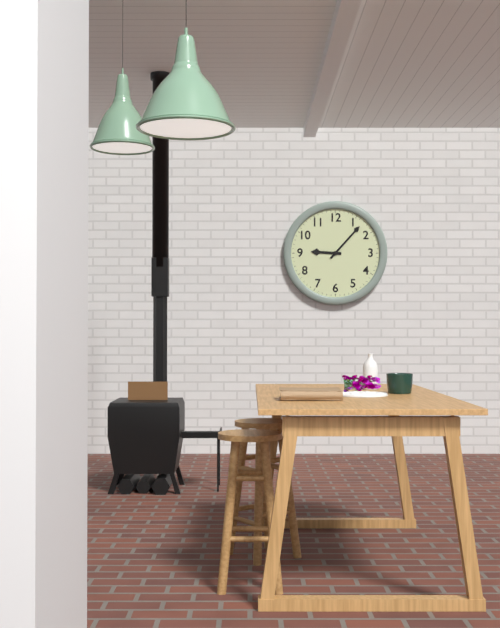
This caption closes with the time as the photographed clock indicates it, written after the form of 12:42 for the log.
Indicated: 9:07
